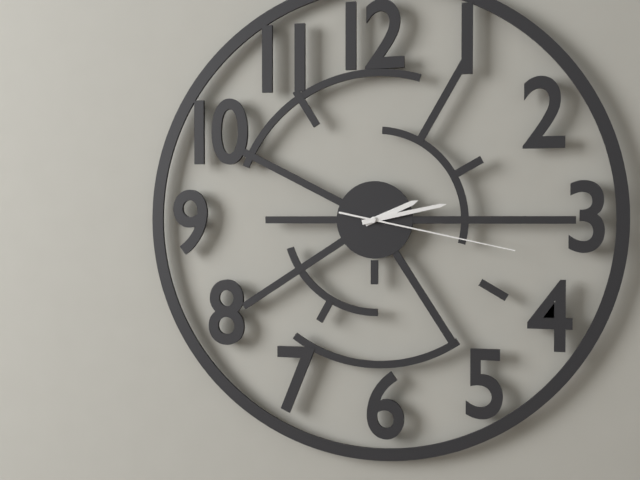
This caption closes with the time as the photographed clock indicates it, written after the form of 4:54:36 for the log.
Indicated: 2:13:17
